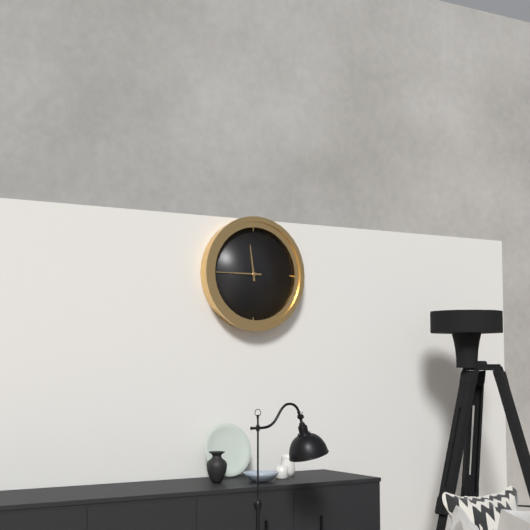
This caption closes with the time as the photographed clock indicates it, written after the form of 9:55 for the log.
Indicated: 11:45
